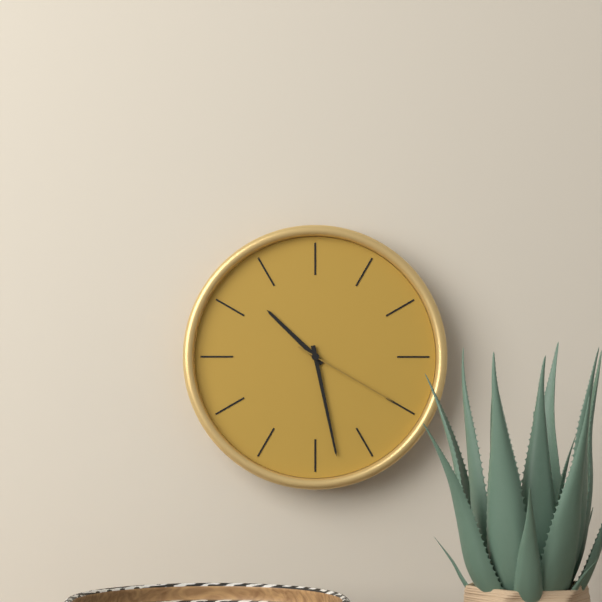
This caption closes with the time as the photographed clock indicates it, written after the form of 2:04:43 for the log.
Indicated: 10:28:20
